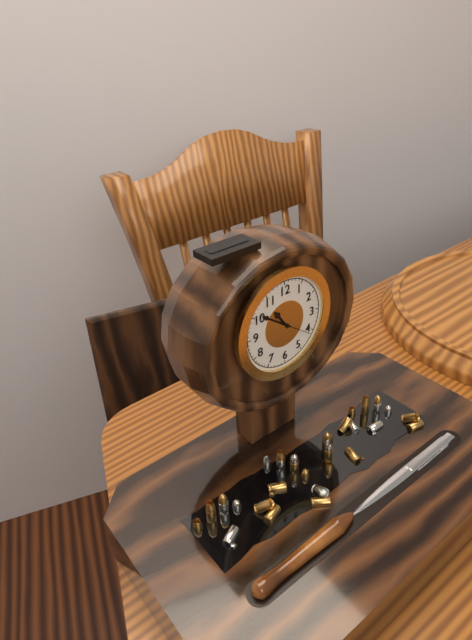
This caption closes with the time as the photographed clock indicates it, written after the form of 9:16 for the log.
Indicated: 10:51
